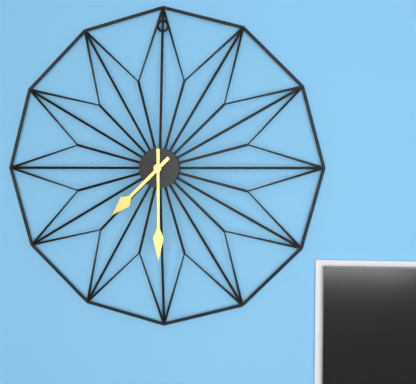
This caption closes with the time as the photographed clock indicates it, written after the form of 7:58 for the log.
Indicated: 7:30
